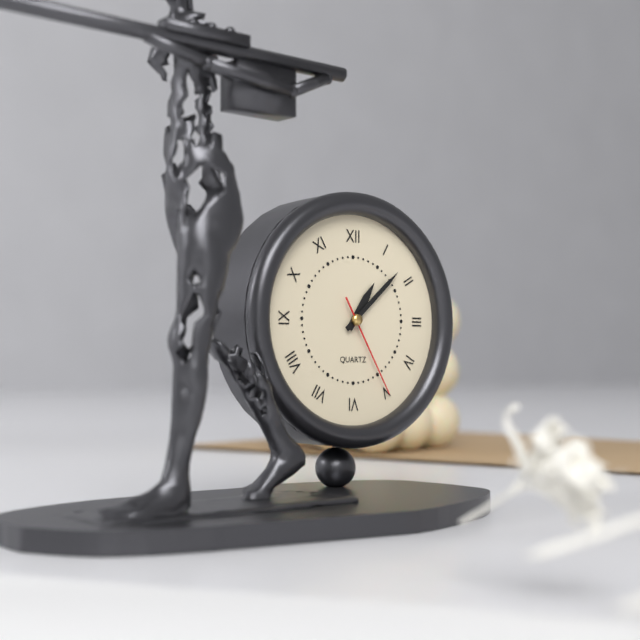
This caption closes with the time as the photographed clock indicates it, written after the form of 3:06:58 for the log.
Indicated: 1:08:25
